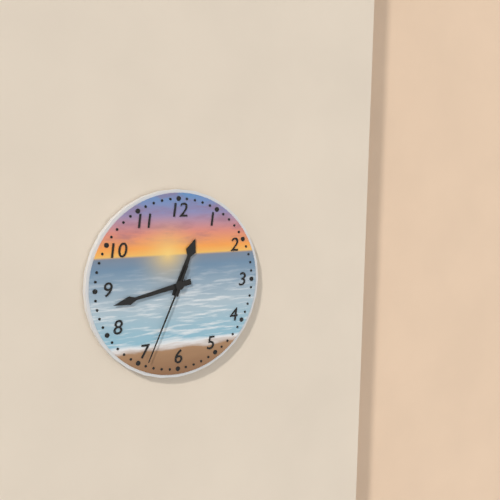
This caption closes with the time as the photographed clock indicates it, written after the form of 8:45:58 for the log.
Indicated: 12:43:34
